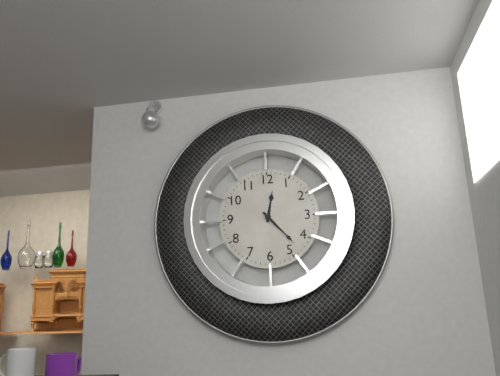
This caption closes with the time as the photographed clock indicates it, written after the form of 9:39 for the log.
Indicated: 12:23
